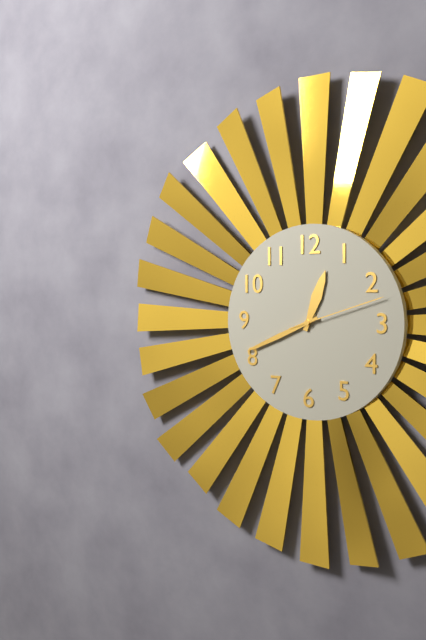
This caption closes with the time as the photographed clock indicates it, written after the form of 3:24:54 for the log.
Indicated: 12:41:12
